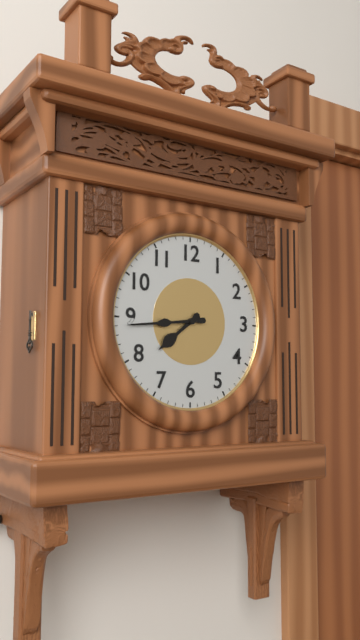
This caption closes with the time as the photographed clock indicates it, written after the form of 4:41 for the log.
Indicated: 7:44
